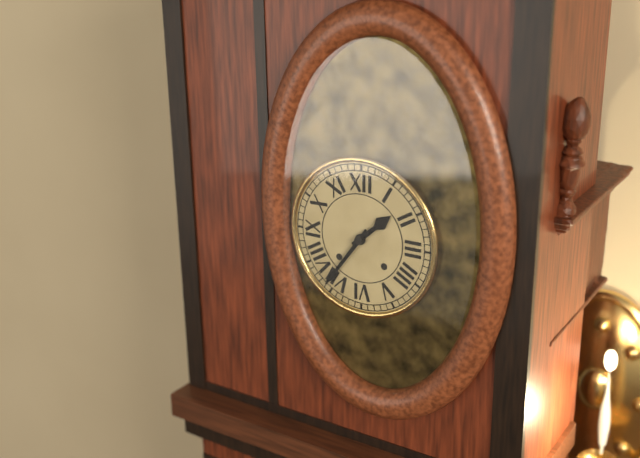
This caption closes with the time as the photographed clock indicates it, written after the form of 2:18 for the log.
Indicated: 1:36
